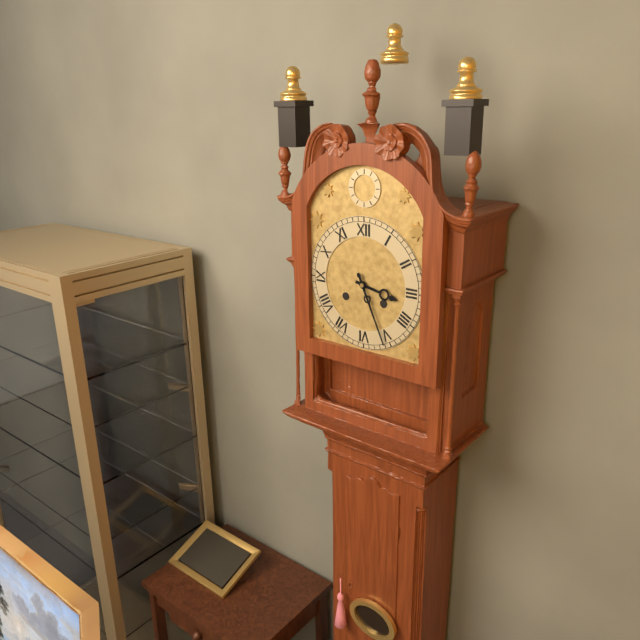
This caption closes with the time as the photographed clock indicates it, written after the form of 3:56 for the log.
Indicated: 3:26
